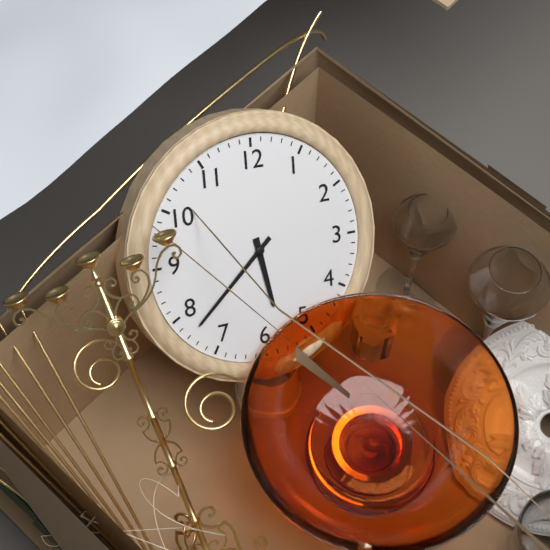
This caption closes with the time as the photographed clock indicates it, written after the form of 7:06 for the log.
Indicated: 5:38
